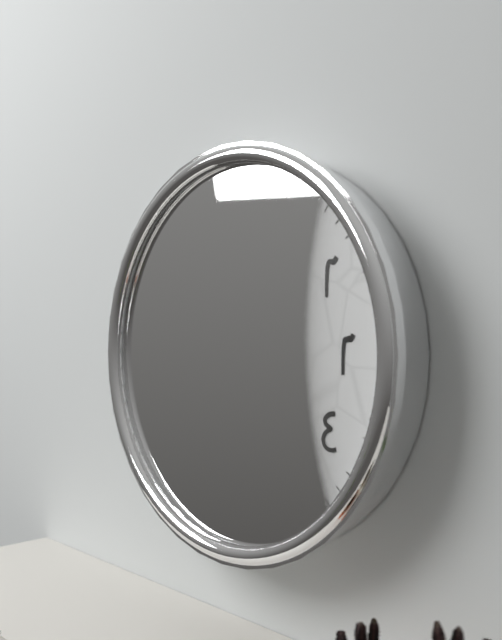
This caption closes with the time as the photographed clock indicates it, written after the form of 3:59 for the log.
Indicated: 5:33
